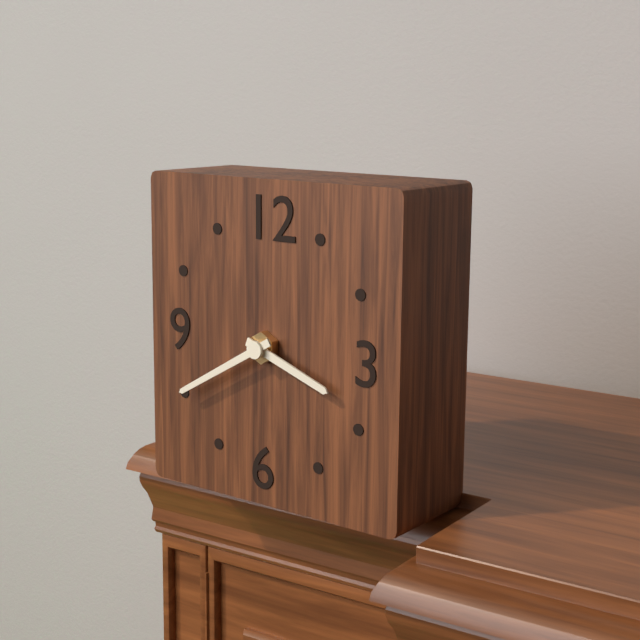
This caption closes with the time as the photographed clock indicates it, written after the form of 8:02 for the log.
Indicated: 3:40
